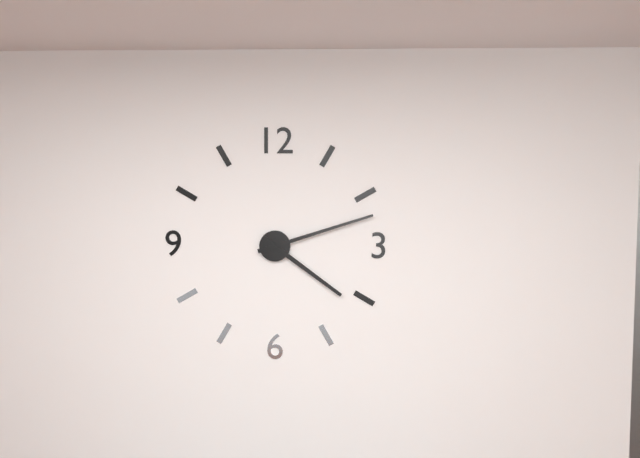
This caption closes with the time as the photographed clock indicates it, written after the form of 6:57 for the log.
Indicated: 4:12
